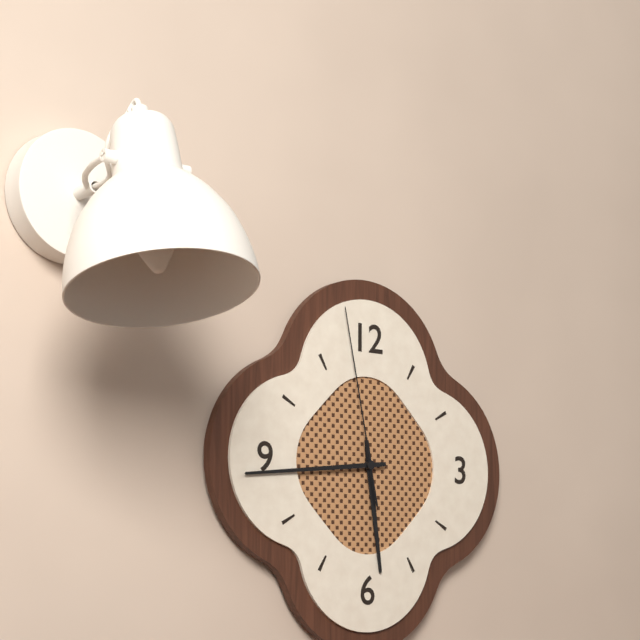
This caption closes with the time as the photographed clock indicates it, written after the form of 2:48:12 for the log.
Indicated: 5:44:58
